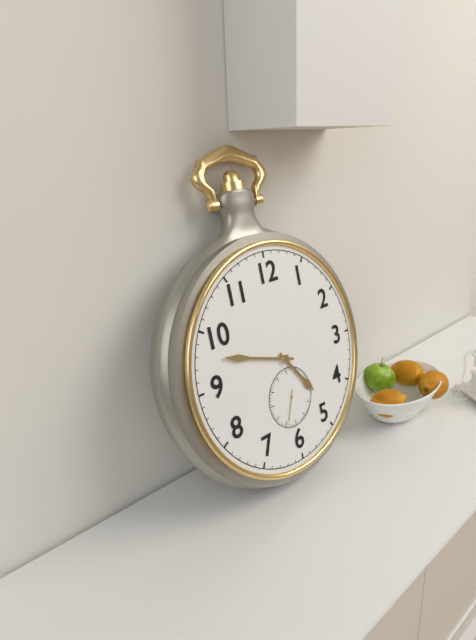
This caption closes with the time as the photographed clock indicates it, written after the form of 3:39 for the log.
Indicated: 4:48
